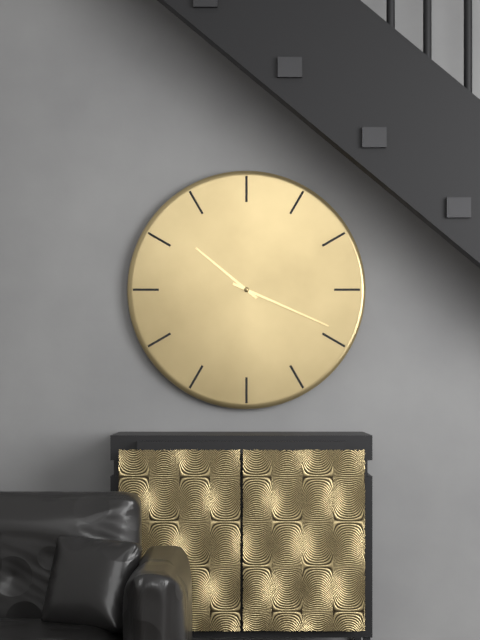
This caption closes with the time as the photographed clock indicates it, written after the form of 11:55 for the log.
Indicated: 10:19
